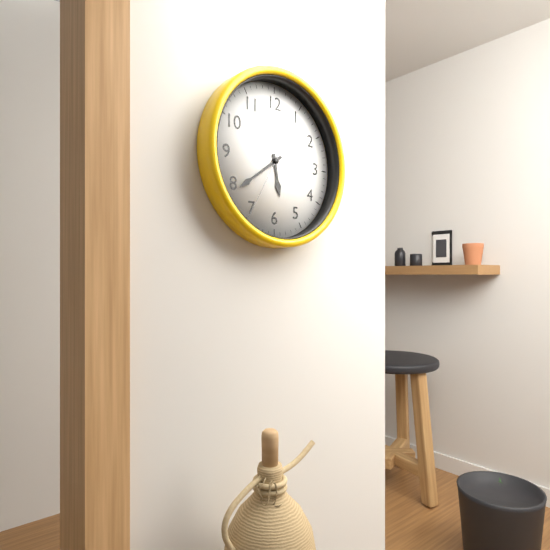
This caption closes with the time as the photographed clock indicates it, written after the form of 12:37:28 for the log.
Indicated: 5:39:35
